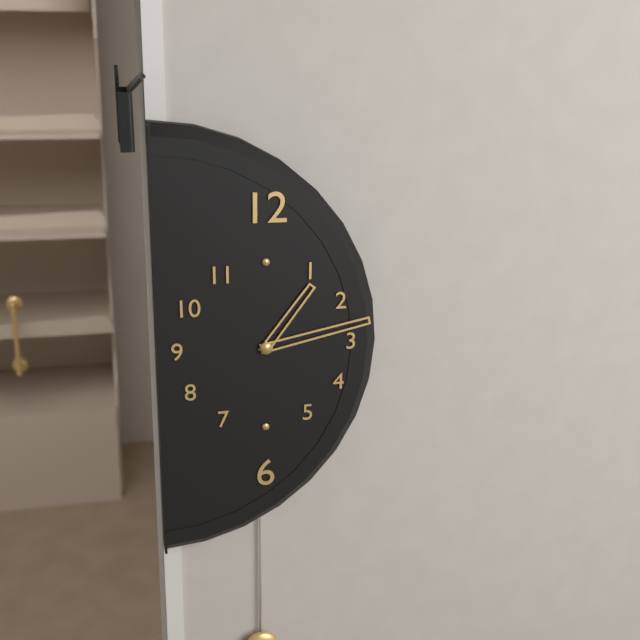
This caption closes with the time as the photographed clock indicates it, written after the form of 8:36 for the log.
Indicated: 1:13
